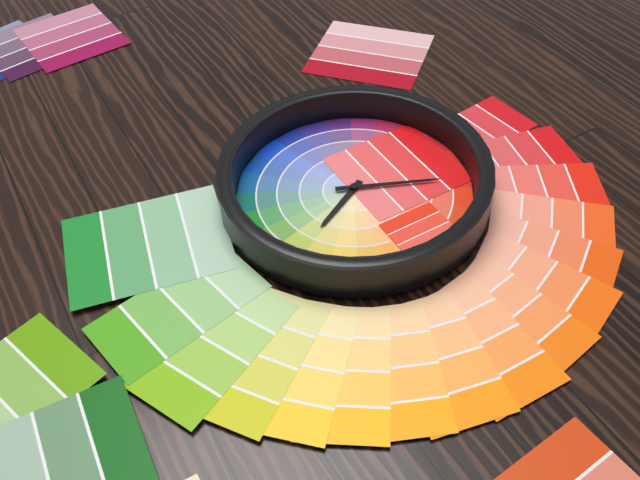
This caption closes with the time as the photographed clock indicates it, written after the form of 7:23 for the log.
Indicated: 5:04
